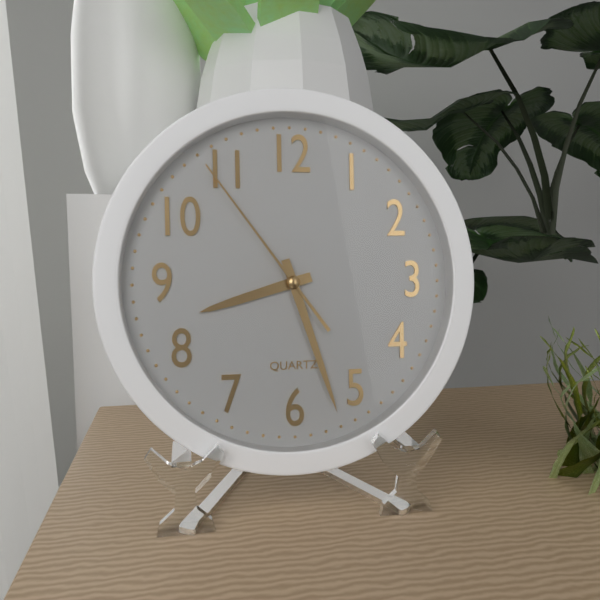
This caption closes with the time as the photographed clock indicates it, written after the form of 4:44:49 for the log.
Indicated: 8:27:54
